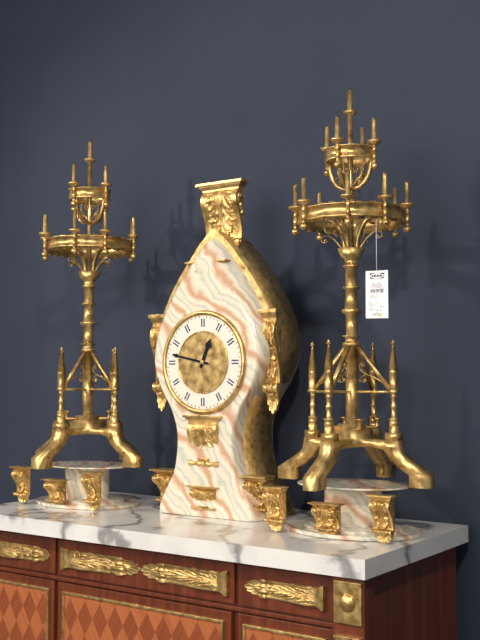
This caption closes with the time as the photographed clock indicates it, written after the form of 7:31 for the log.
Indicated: 12:47
